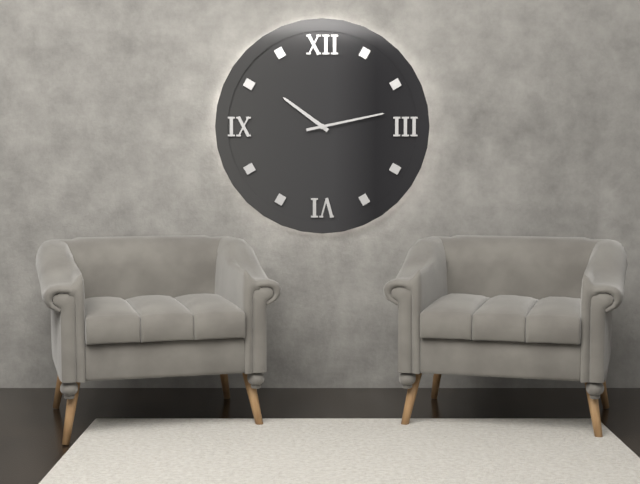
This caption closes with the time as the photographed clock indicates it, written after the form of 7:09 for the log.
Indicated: 10:13
